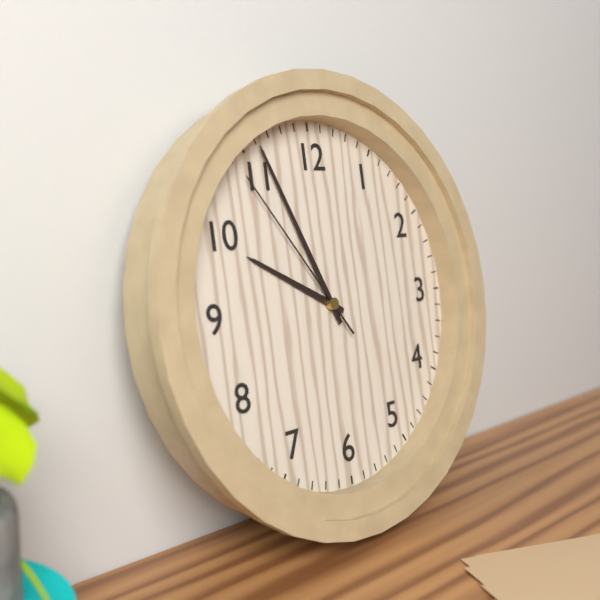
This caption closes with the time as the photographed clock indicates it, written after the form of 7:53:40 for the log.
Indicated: 9:56:54
